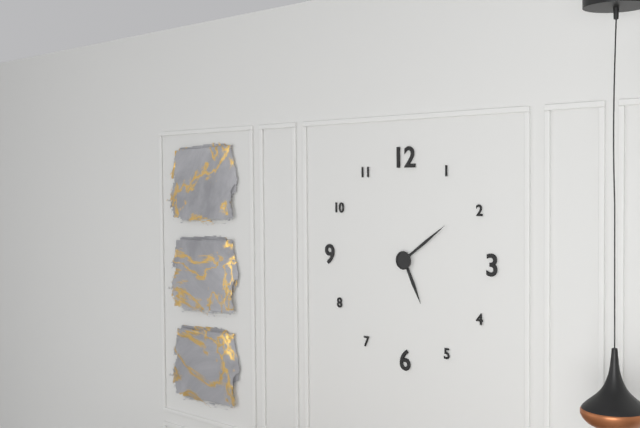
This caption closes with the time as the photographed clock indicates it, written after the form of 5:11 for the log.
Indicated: 5:09
